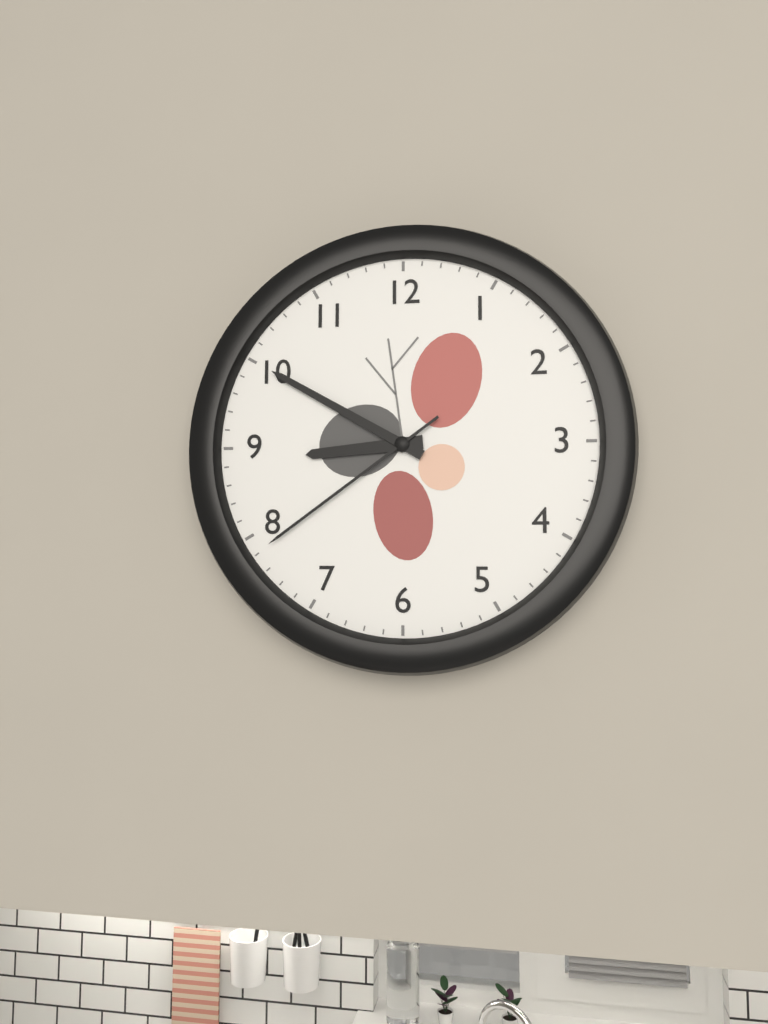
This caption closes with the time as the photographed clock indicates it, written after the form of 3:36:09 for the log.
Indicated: 8:50:39
